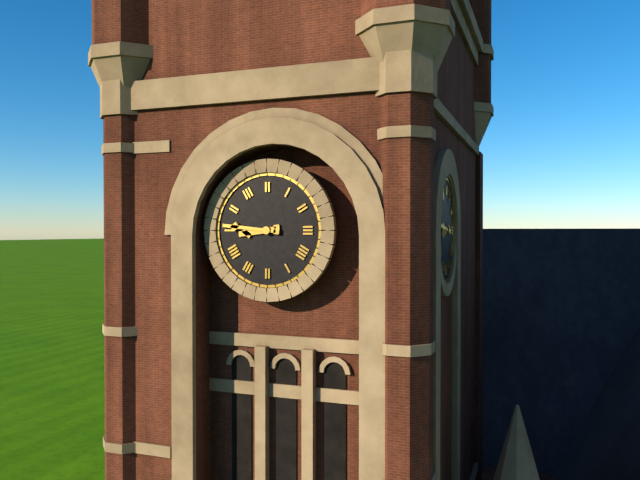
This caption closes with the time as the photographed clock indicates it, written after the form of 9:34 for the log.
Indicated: 8:46
